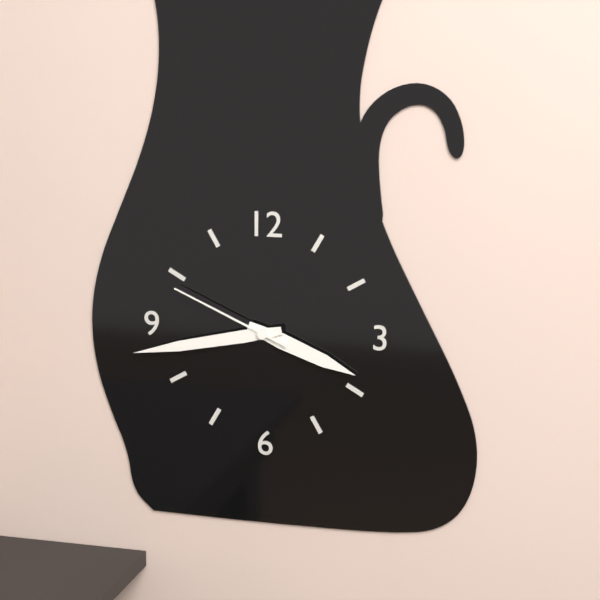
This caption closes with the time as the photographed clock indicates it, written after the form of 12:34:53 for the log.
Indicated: 3:43:49
